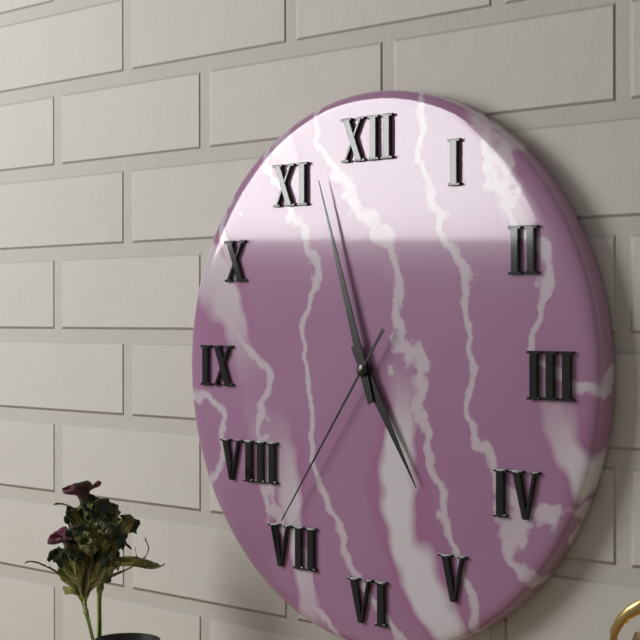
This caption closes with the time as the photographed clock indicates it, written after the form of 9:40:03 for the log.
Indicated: 4:57:36
